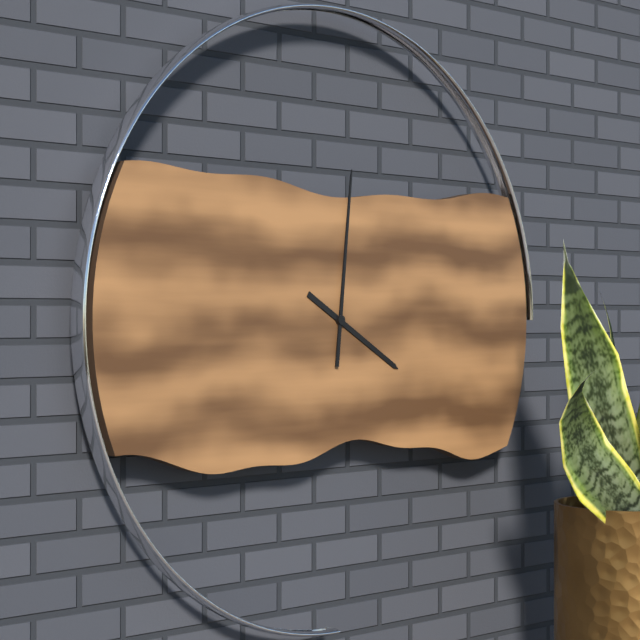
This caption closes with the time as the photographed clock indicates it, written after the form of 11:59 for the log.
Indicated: 4:01
